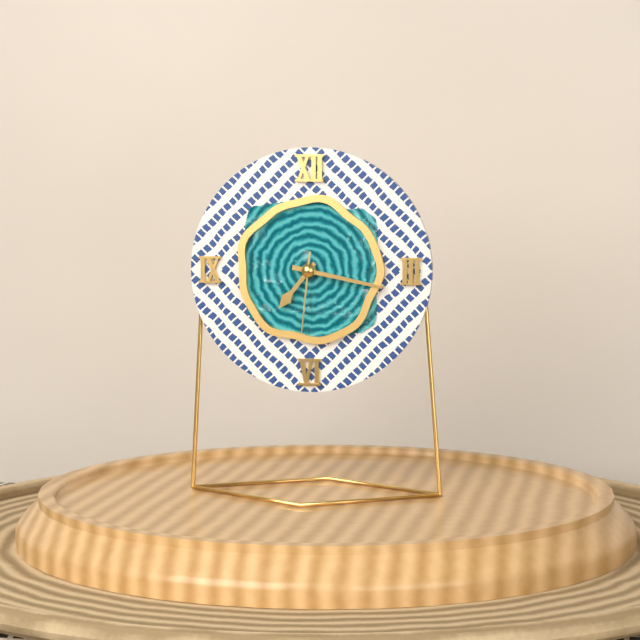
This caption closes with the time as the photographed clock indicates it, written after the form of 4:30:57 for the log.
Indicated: 7:17:31
